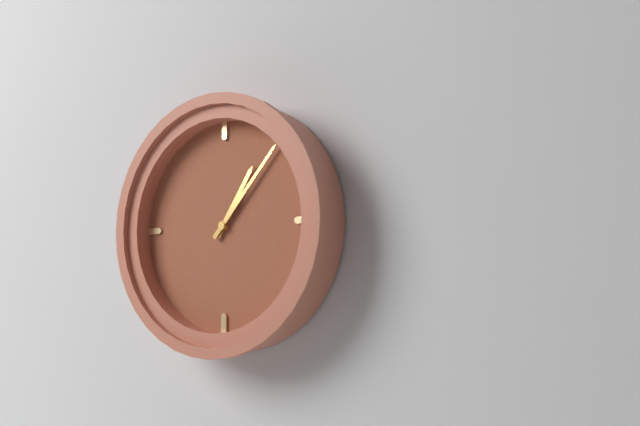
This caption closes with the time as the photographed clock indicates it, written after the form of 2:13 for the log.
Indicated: 1:07
